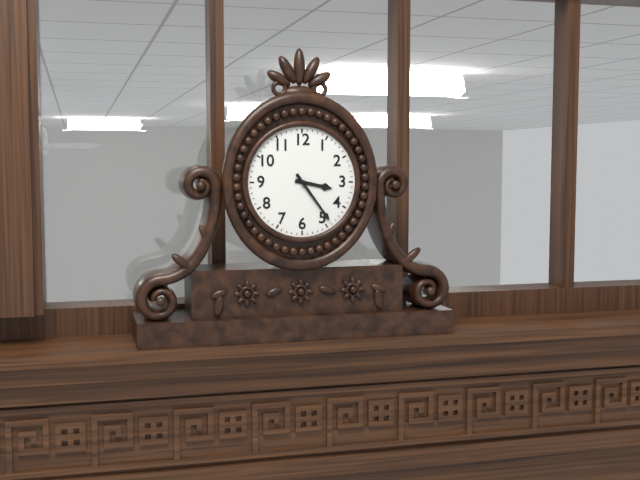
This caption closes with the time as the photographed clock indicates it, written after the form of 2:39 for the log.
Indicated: 3:24
